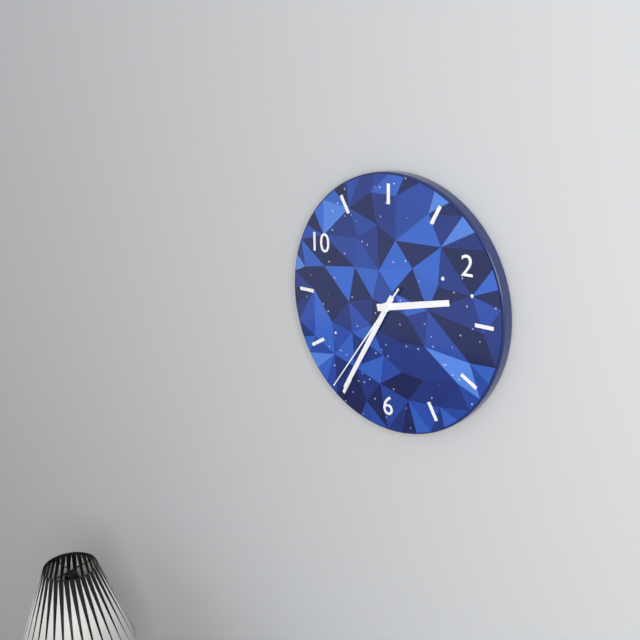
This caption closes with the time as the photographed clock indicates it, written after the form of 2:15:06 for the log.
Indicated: 2:35:36
